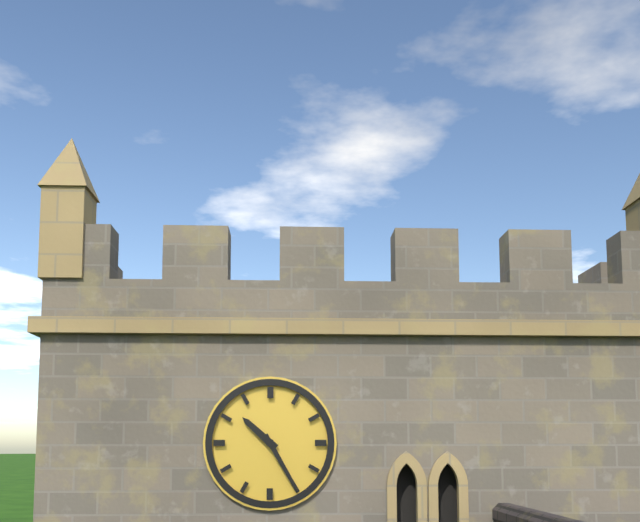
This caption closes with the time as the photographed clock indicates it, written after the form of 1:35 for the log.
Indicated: 10:25
